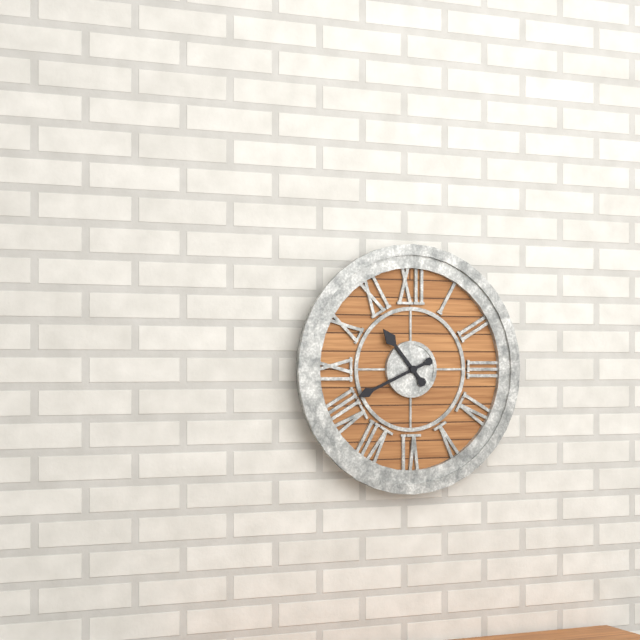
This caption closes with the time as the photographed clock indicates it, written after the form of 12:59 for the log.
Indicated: 10:41
